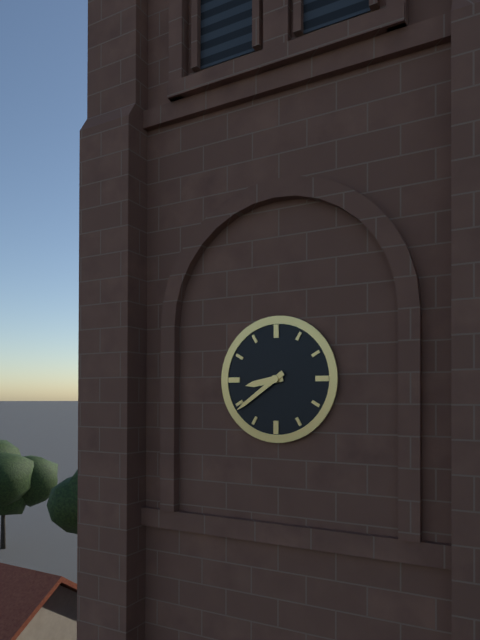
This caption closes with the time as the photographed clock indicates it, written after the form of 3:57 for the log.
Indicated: 8:39
